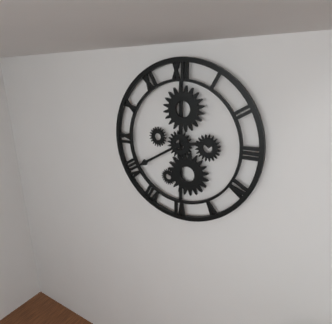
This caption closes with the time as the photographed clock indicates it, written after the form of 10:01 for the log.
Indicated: 2:40
